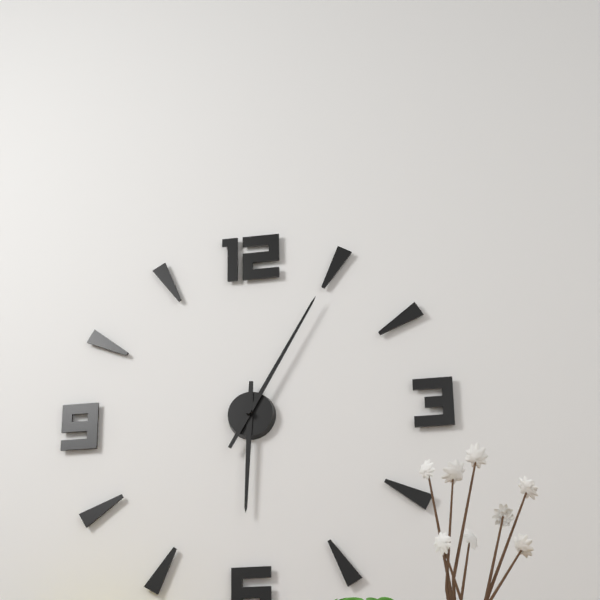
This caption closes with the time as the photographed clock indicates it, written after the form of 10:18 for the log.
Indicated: 6:05
